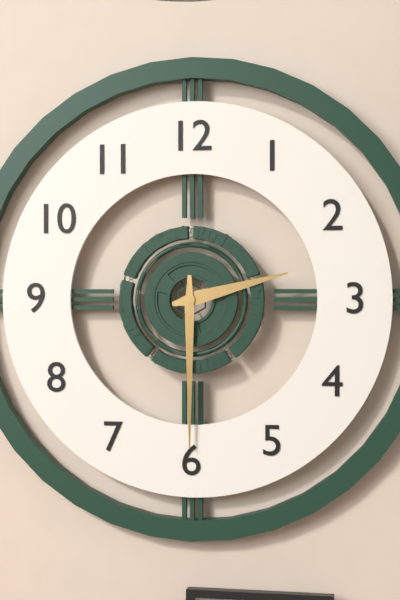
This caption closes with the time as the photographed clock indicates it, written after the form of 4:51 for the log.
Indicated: 2:30
